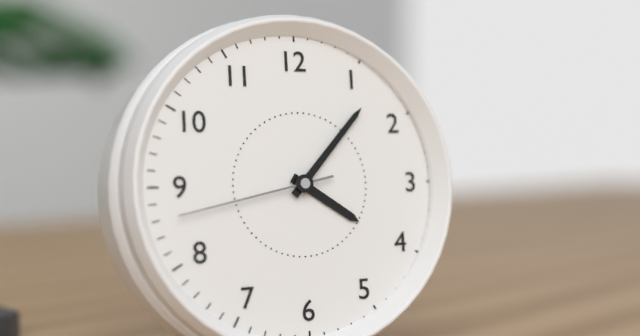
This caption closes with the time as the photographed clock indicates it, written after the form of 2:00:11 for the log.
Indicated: 4:07:43
